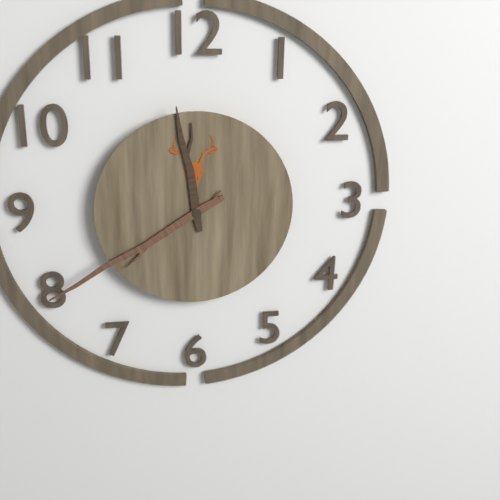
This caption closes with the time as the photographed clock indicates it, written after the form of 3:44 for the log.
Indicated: 11:40
